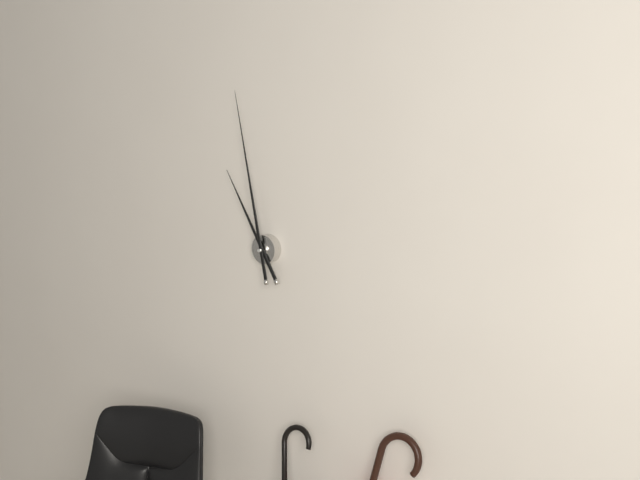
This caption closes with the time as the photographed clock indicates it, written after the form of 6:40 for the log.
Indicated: 10:58
